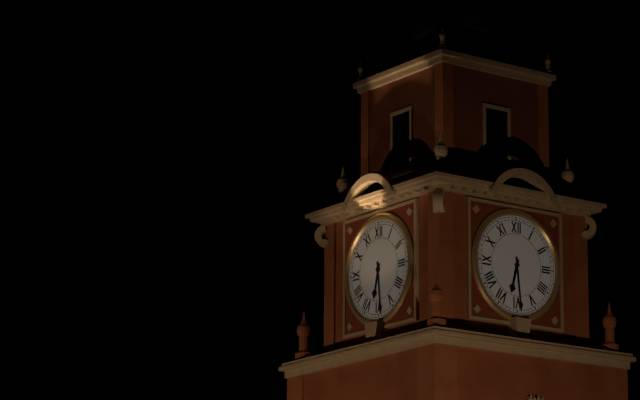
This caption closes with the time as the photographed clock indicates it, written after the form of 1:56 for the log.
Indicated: 6:29
